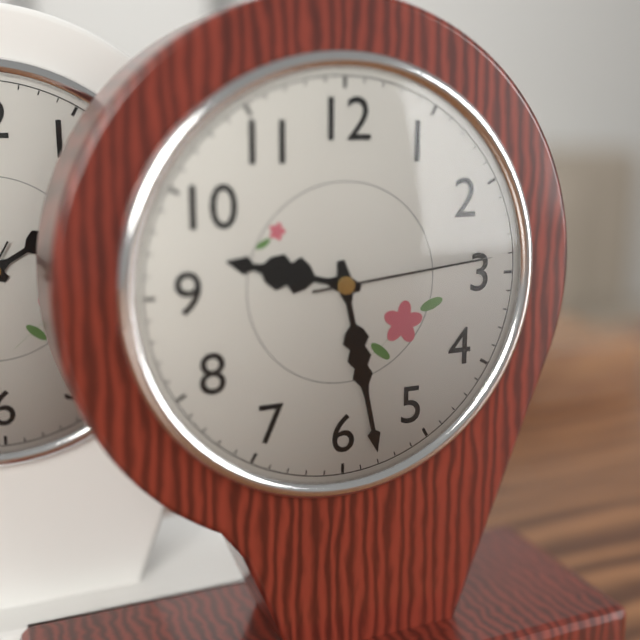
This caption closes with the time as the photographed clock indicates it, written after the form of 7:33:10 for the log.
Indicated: 9:28:14
